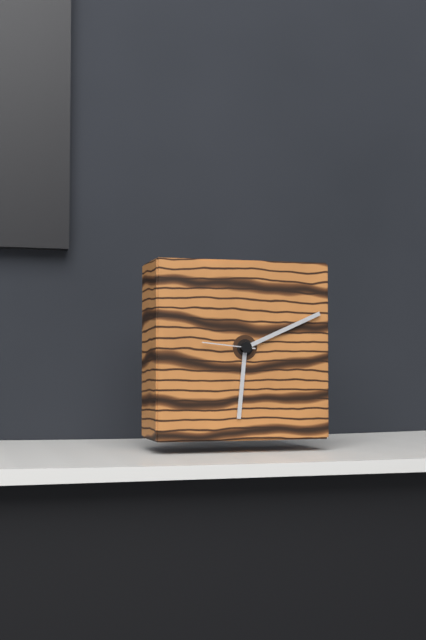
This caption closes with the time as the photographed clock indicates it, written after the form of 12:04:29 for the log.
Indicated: 6:11:46
